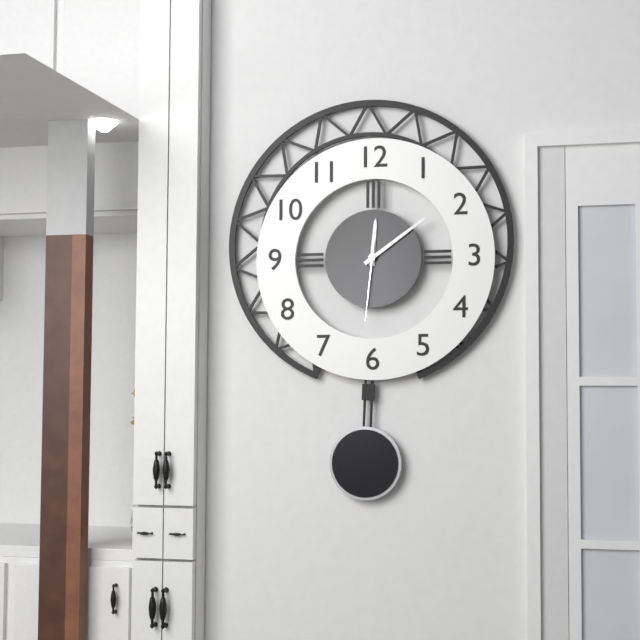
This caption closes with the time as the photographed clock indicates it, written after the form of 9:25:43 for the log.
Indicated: 12:09:31
